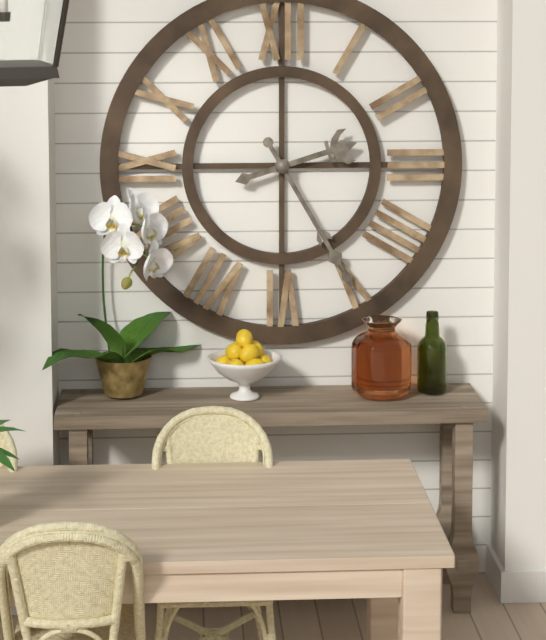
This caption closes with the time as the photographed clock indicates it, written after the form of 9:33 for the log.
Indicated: 2:25
